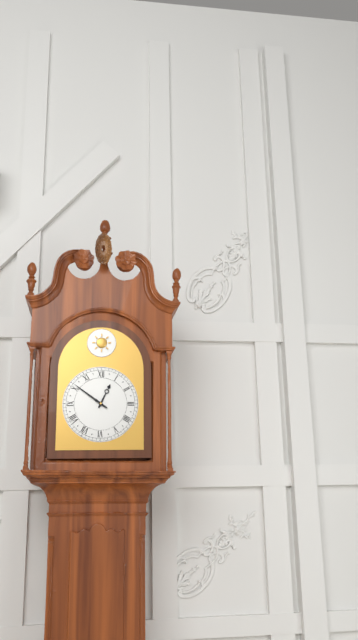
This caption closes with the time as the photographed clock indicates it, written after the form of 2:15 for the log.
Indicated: 12:51
